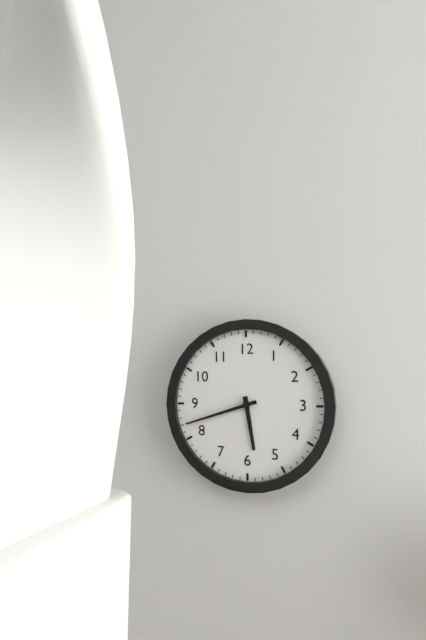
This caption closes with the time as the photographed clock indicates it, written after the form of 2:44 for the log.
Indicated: 5:42
